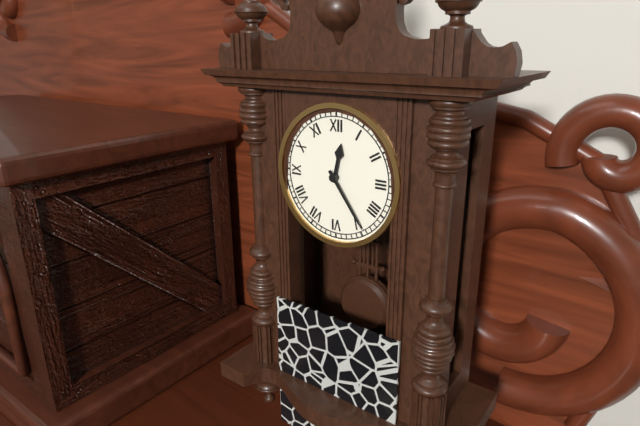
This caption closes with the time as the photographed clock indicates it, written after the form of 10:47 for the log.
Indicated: 12:24
